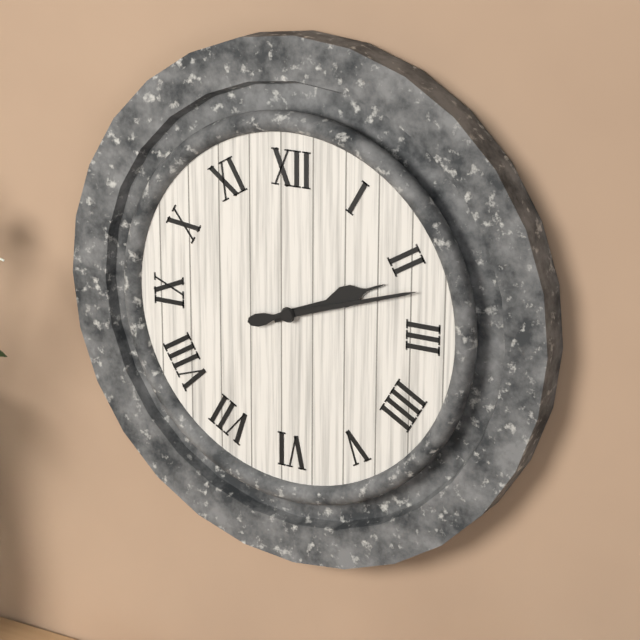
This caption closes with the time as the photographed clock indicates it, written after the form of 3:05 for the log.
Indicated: 2:12
